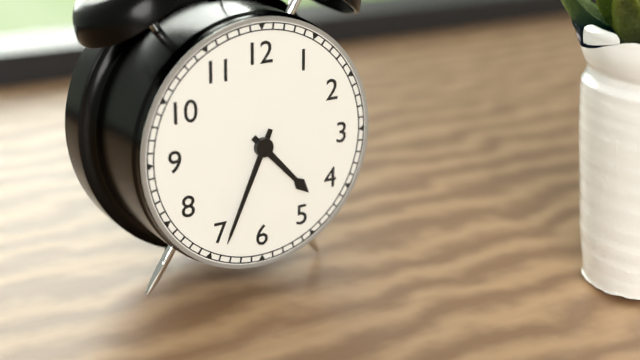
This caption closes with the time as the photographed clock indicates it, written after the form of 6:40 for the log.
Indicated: 4:34
